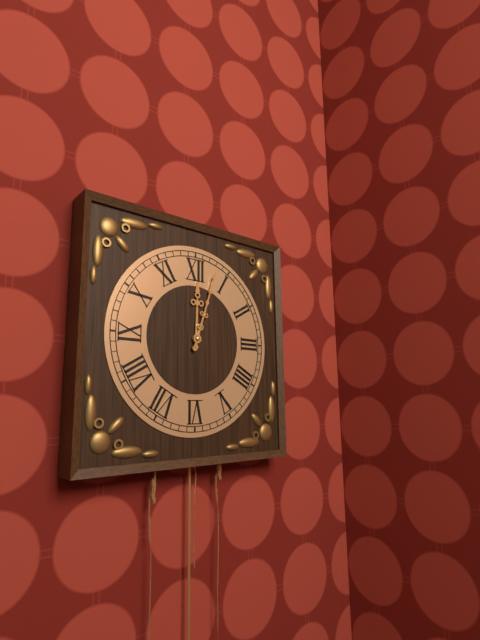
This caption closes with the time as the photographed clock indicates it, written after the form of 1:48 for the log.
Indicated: 12:03
